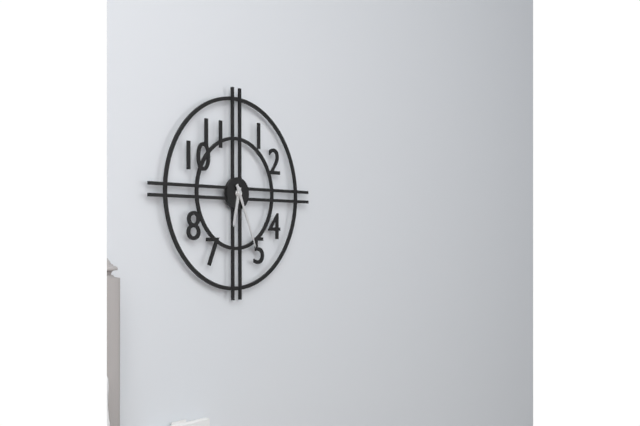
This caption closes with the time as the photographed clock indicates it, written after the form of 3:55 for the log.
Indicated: 6:26
